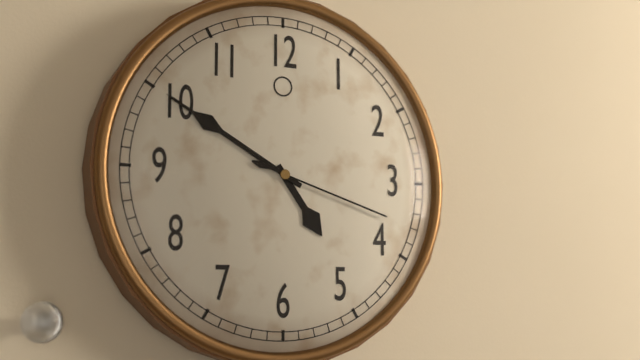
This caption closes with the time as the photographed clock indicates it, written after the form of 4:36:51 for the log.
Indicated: 4:50:18
